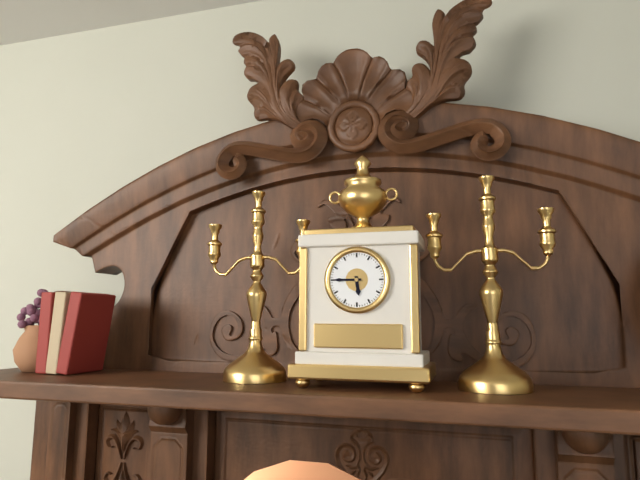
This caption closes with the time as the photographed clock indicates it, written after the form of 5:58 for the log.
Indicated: 5:45
